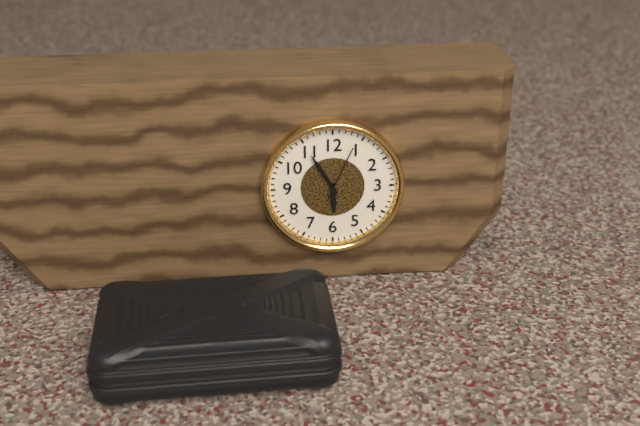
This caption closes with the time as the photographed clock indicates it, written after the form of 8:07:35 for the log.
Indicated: 5:55:04
